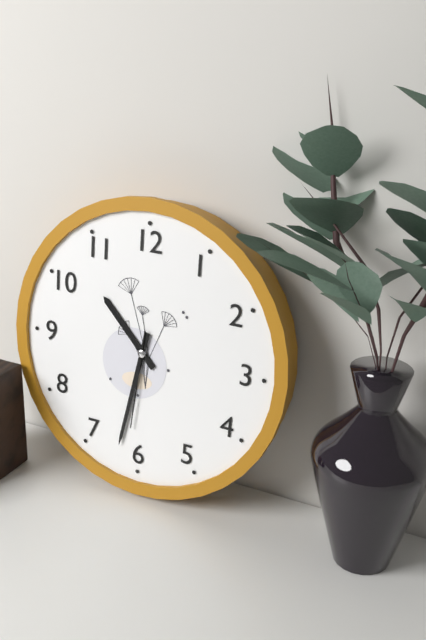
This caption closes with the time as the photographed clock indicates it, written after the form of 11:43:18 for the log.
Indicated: 10:32:31
